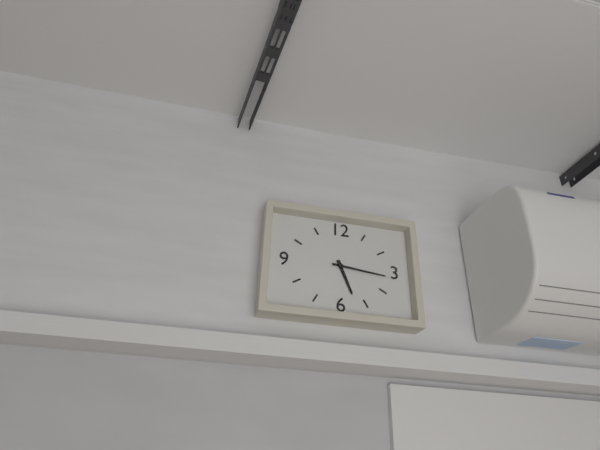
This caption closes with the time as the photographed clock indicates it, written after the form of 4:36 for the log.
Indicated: 5:16
